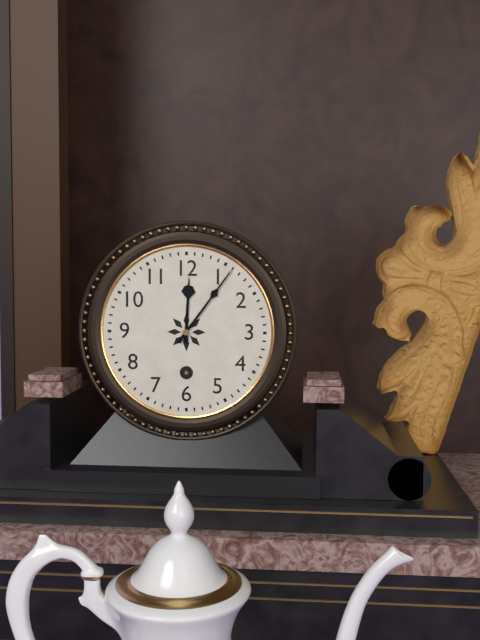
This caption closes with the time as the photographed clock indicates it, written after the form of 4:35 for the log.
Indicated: 12:06
